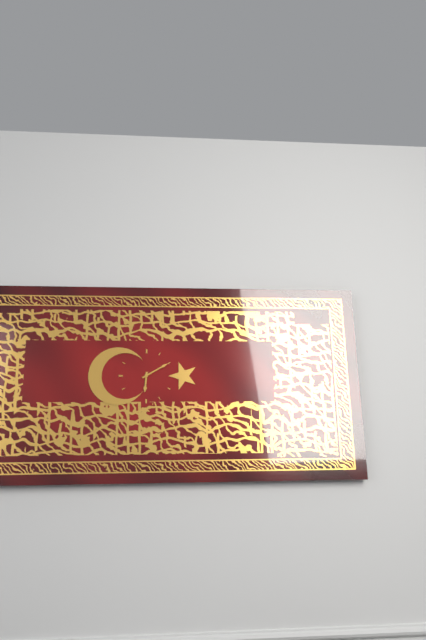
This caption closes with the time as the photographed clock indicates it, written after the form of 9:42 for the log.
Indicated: 6:10
